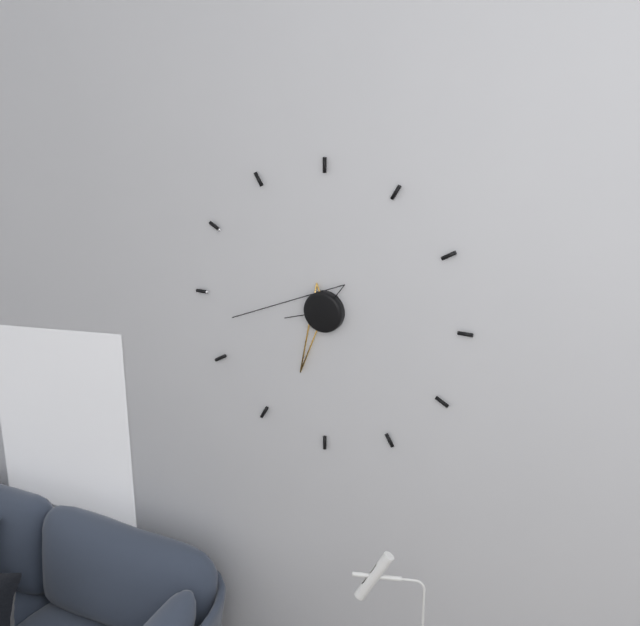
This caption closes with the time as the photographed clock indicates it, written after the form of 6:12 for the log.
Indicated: 6:43
